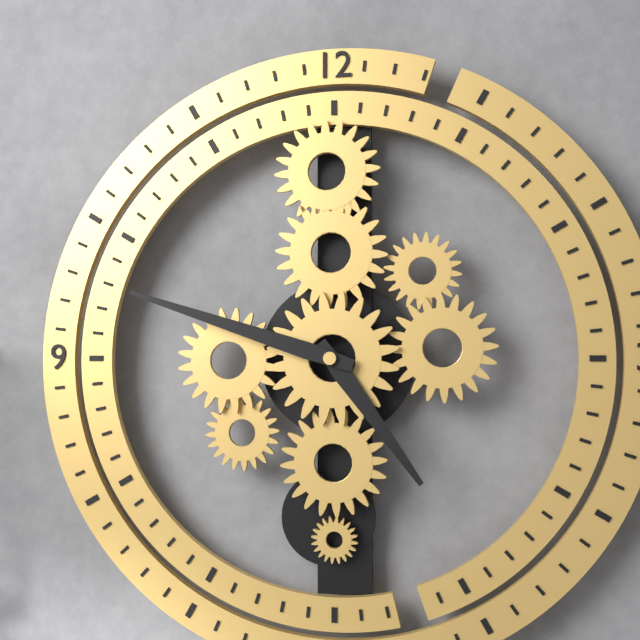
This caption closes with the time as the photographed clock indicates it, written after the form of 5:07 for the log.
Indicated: 4:48
